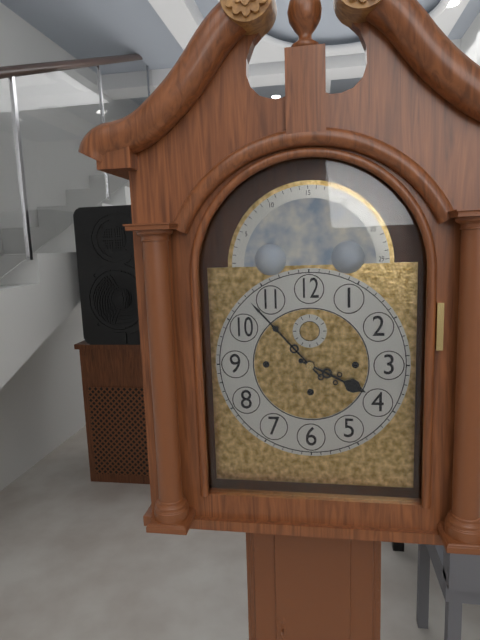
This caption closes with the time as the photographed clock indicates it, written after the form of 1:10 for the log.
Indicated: 3:53
